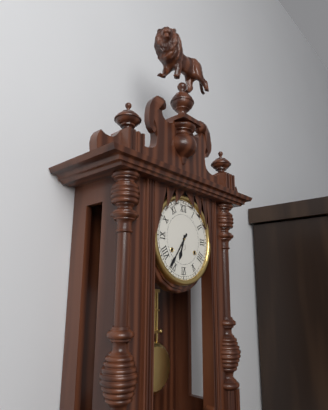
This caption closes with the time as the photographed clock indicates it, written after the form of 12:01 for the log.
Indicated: 6:36
